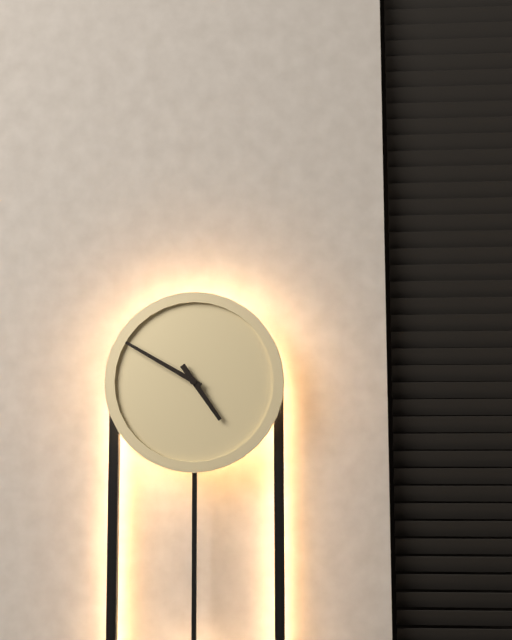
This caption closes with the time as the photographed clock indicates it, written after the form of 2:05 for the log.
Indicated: 4:50
